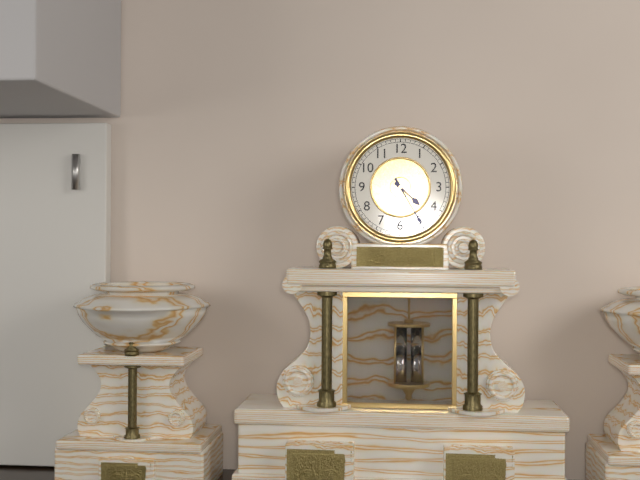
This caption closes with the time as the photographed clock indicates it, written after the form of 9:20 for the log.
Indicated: 4:25
